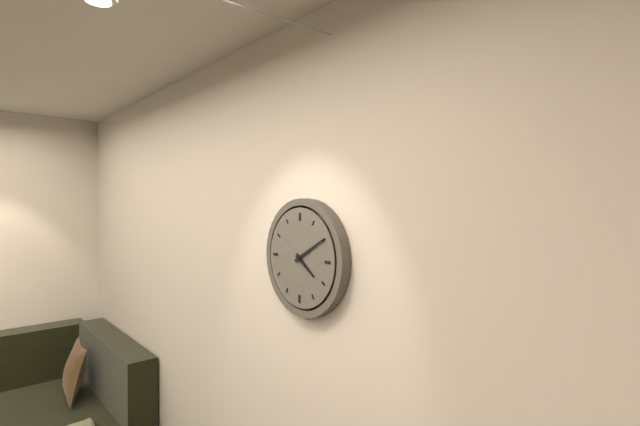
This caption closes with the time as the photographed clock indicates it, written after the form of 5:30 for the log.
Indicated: 4:10
